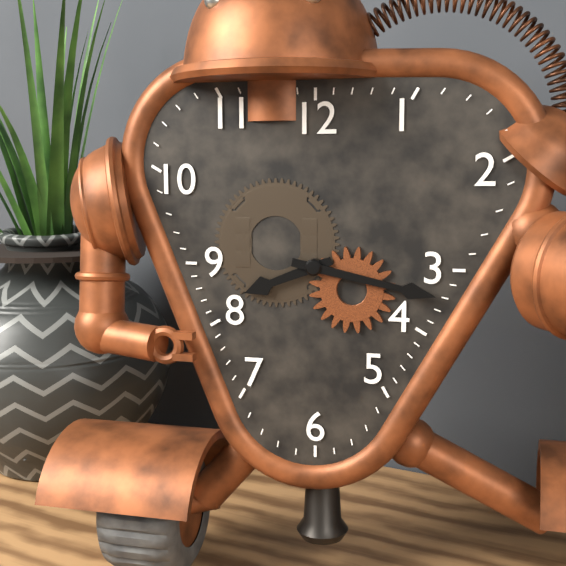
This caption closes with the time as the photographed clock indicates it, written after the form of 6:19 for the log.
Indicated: 8:17
